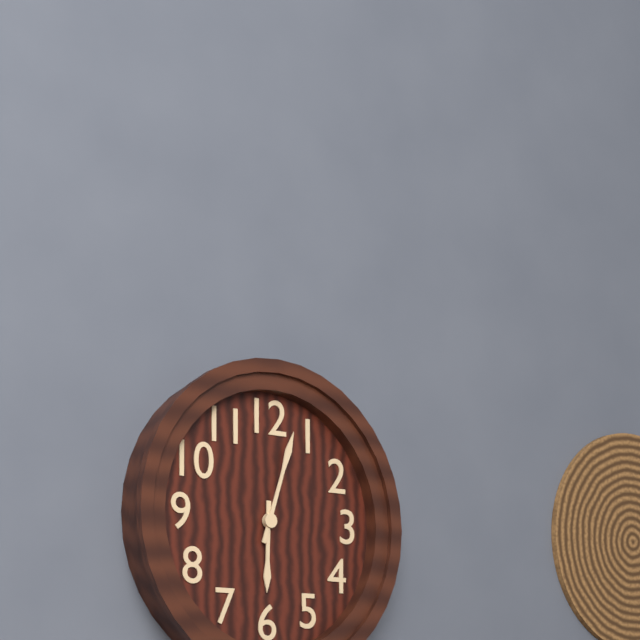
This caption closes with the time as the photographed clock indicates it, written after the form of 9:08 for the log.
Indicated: 6:03
